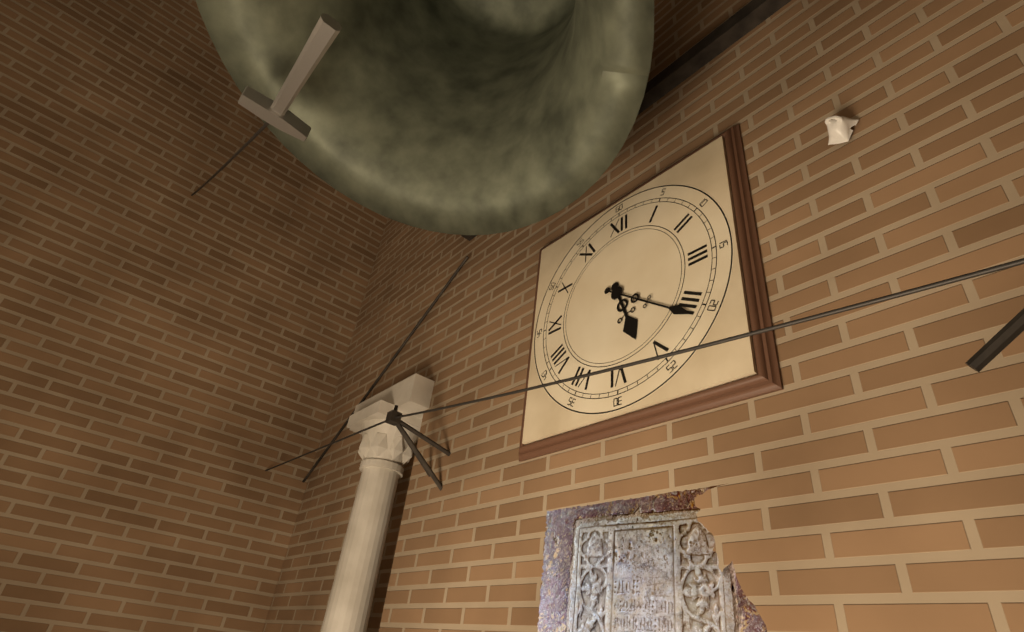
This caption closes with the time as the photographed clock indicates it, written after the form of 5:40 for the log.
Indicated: 5:21
